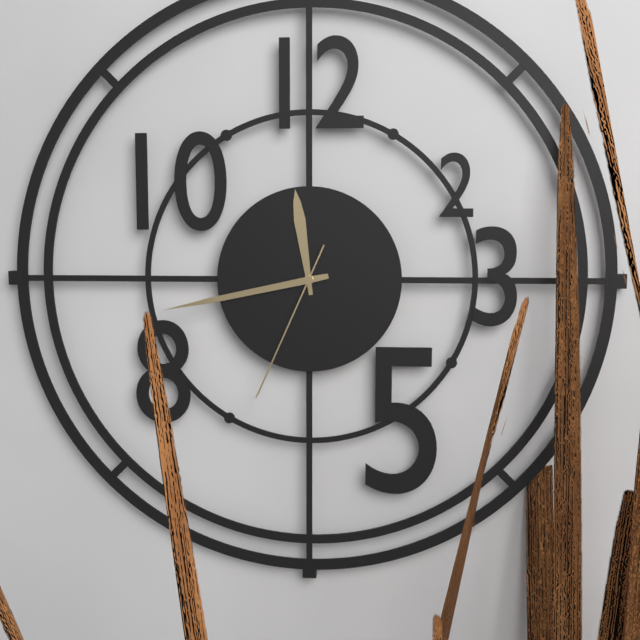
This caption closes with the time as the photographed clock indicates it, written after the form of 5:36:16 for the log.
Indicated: 11:43:34
